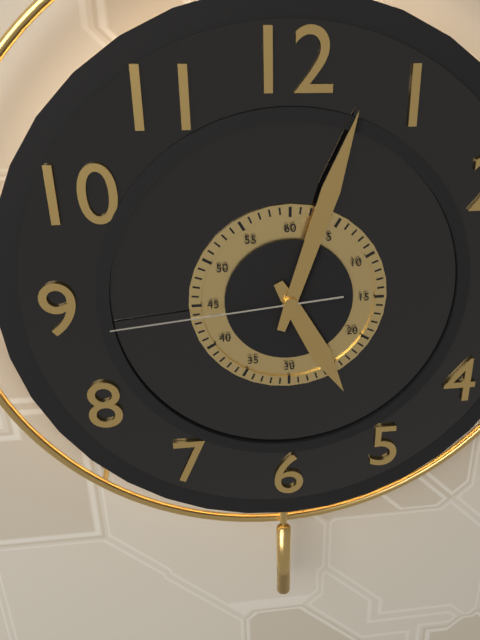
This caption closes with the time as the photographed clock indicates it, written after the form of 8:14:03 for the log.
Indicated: 5:03:44
